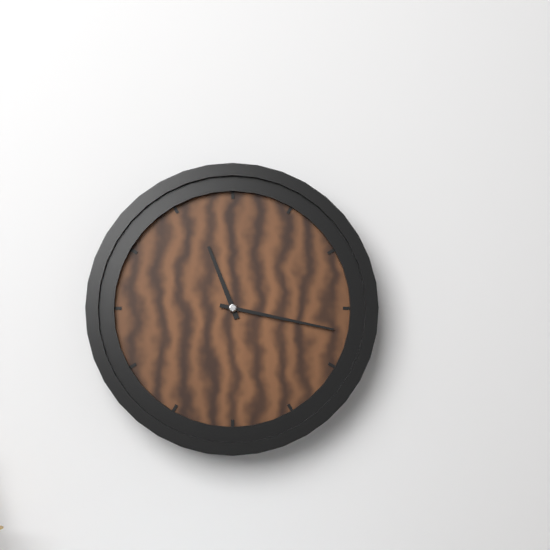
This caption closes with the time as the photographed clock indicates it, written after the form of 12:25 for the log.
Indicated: 11:17
